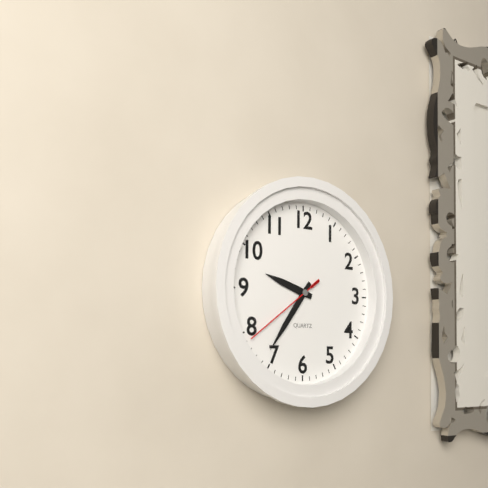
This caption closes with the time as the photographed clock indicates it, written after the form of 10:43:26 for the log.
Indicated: 9:36:39
